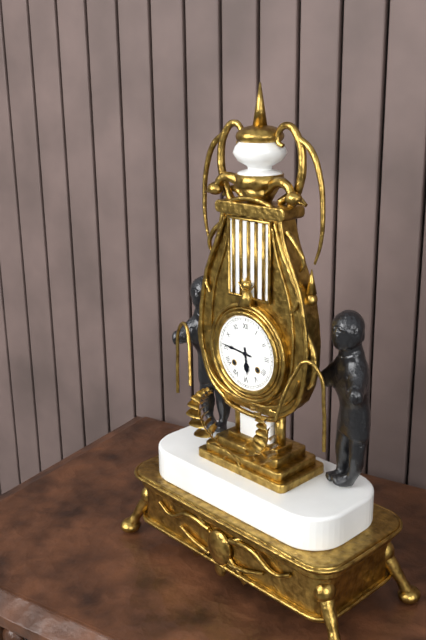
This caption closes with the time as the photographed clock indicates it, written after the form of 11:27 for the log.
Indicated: 5:46
